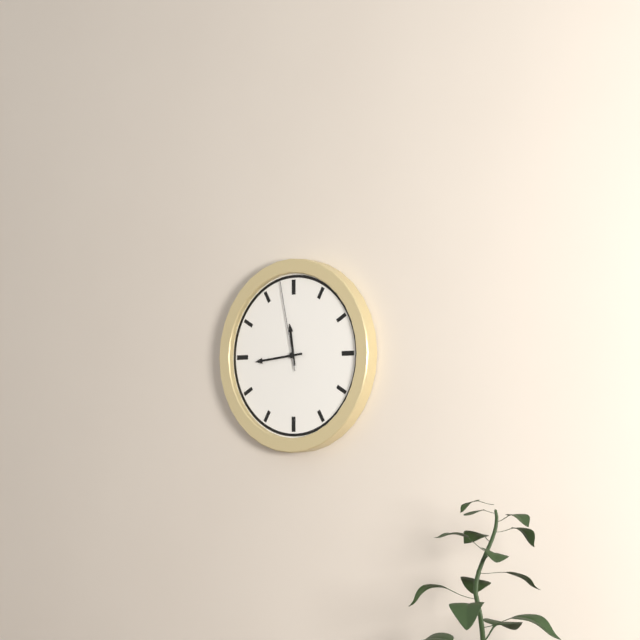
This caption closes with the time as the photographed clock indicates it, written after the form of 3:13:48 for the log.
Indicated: 11:44:58
